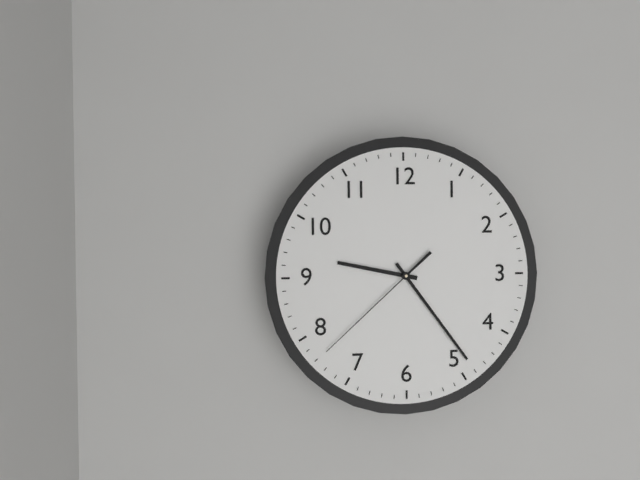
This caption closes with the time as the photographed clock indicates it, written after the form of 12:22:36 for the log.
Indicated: 9:24:38
